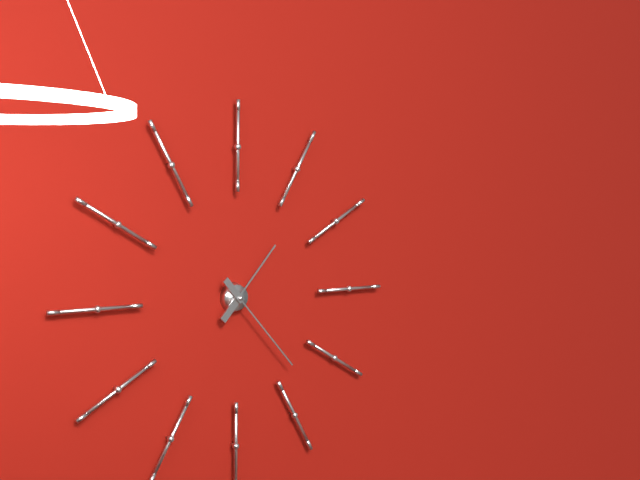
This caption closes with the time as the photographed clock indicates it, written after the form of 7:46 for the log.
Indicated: 1:23
